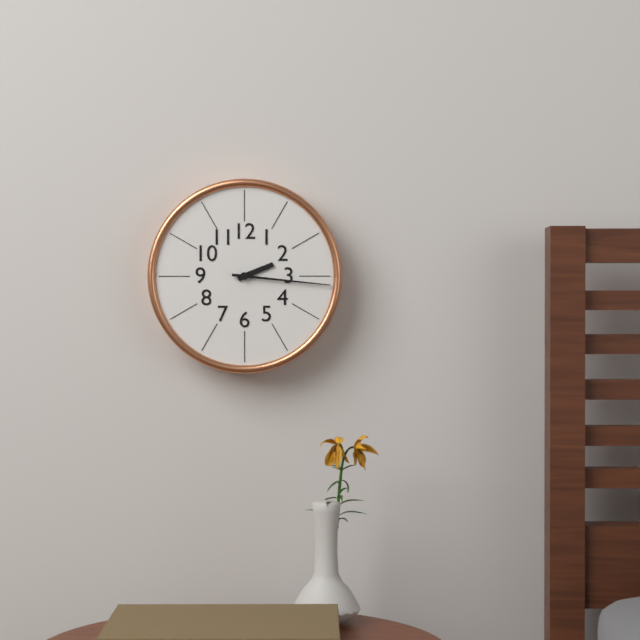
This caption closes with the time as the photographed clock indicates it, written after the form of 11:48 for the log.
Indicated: 2:16
